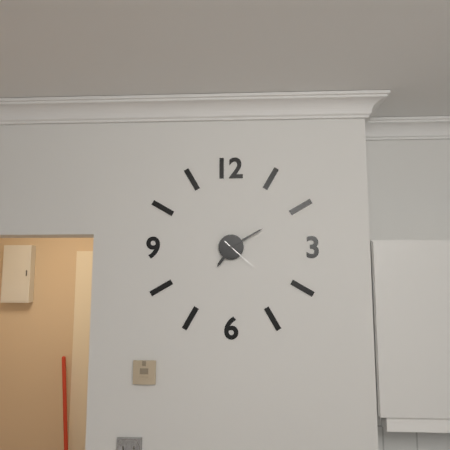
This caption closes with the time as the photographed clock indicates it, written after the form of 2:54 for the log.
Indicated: 7:10
